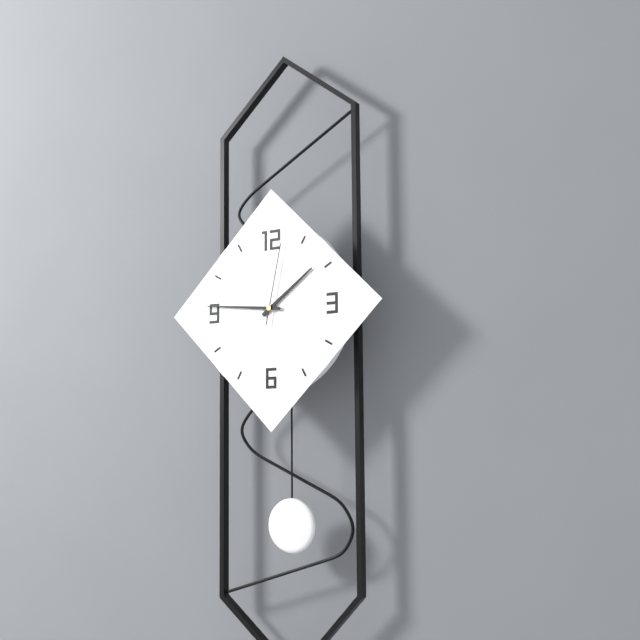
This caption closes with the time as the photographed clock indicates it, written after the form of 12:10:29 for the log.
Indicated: 1:46:02
